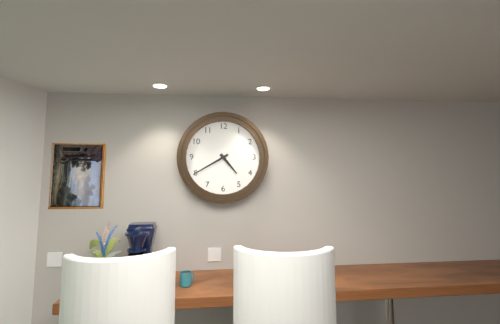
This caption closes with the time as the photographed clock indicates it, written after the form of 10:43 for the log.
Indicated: 4:40
